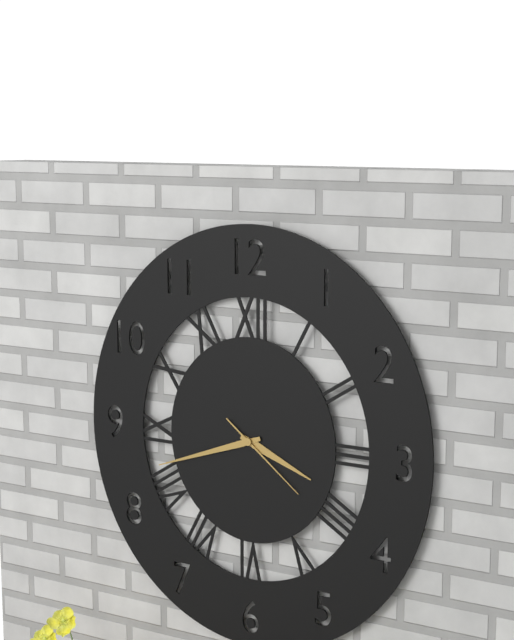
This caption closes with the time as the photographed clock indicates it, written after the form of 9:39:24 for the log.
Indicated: 3:42:21
